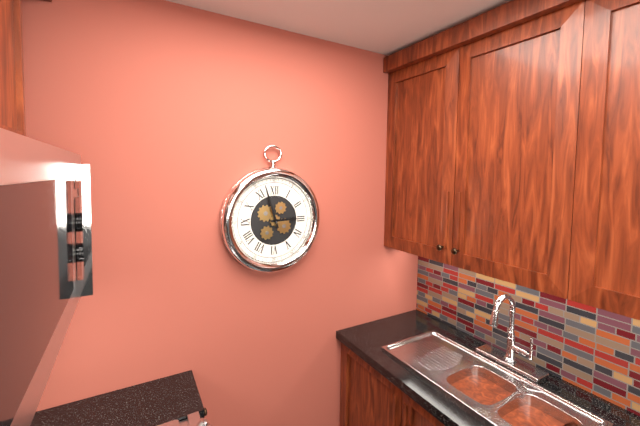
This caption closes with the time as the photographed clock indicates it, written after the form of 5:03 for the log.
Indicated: 2:57
